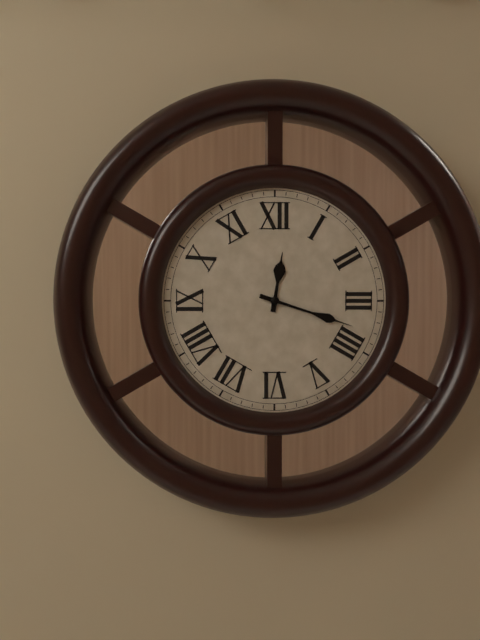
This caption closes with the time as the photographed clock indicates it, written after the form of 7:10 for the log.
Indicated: 12:18
